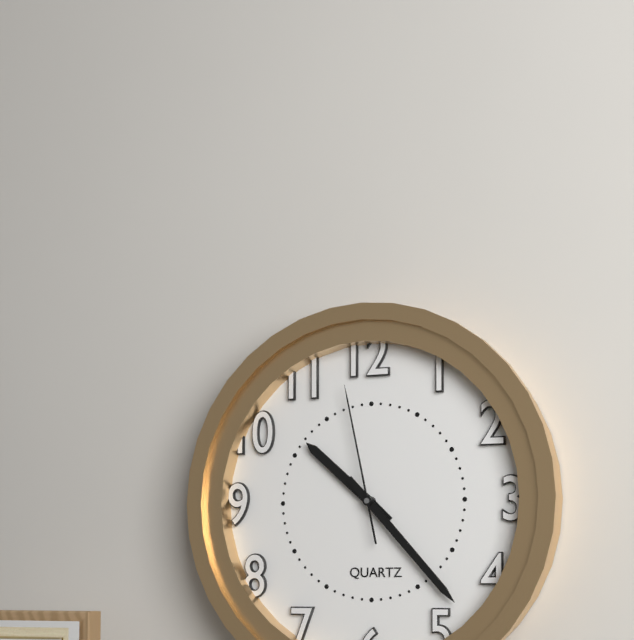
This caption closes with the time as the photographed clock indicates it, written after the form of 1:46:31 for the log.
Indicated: 10:23:58
